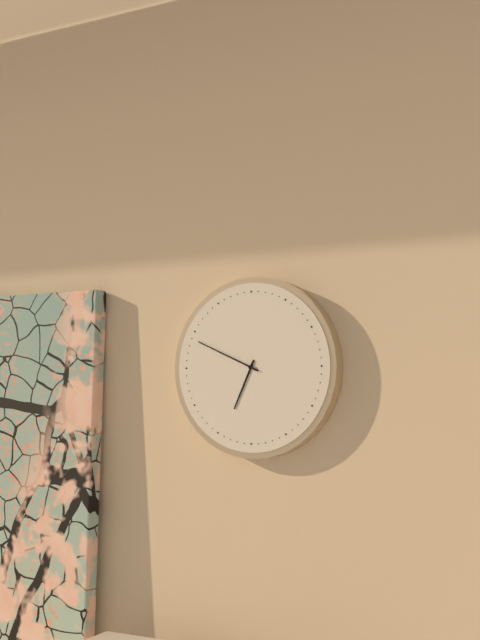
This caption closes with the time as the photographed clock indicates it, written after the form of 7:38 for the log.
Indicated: 6:49
